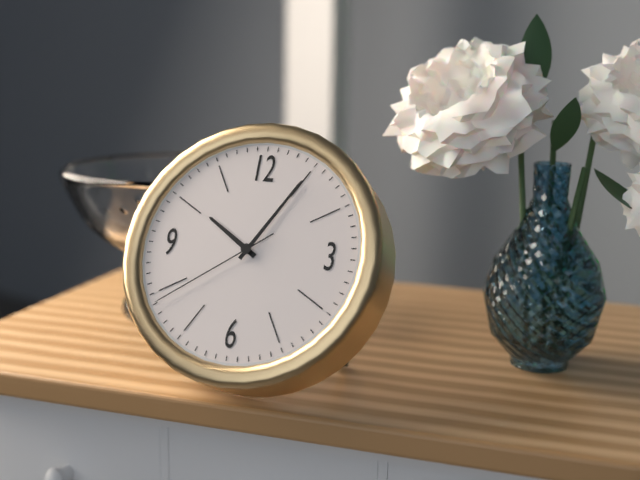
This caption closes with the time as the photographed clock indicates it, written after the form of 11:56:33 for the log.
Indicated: 10:05:39
